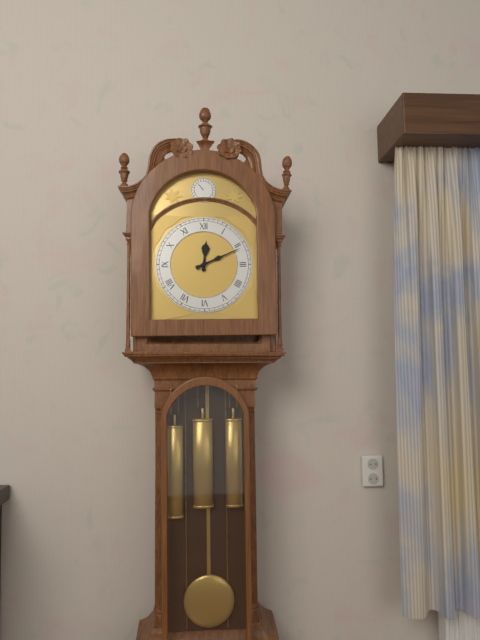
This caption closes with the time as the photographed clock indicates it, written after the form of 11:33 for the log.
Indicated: 12:11
